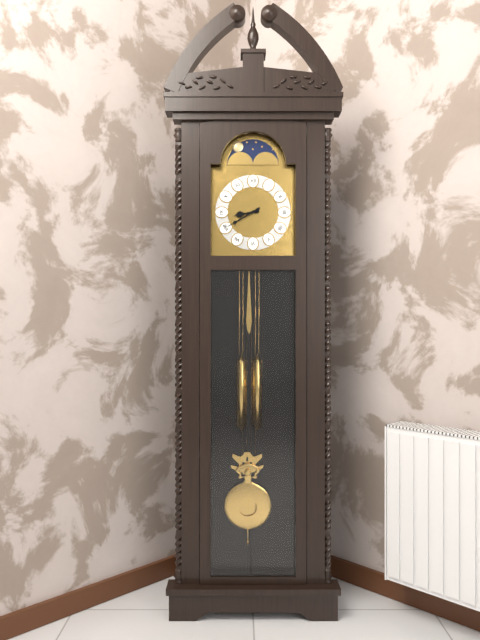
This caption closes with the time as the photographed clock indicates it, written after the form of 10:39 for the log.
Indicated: 8:40
